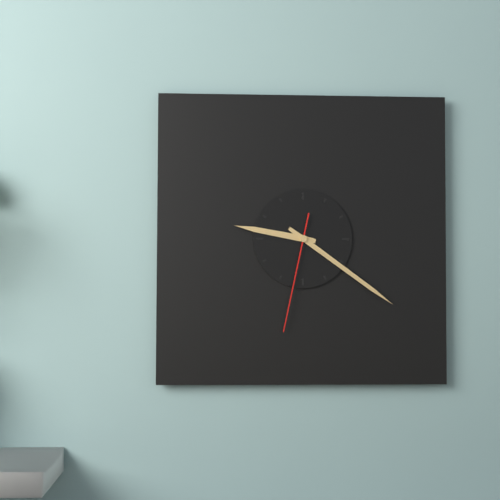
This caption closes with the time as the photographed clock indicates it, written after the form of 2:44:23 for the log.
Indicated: 9:21:32
